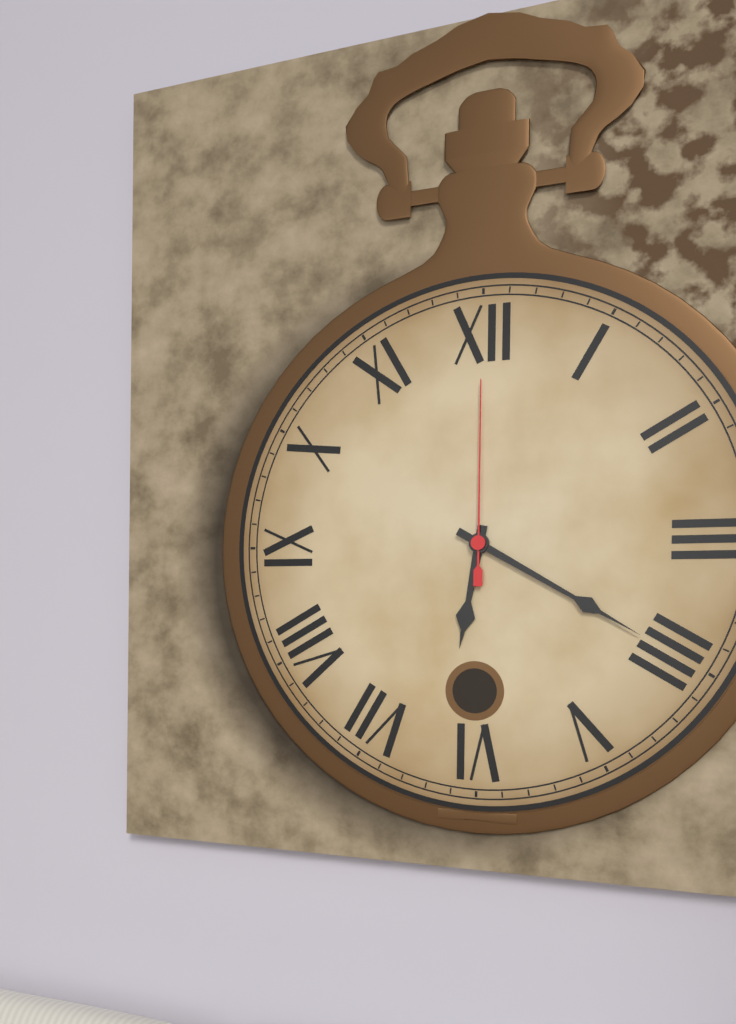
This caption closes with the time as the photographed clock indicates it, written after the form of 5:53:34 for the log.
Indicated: 6:20:00
